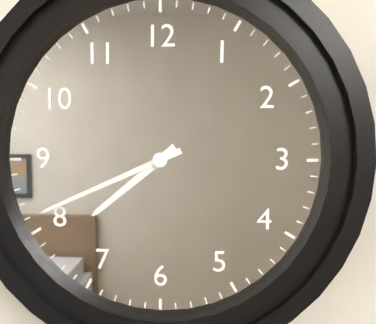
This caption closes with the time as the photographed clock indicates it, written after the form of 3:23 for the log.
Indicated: 7:41
